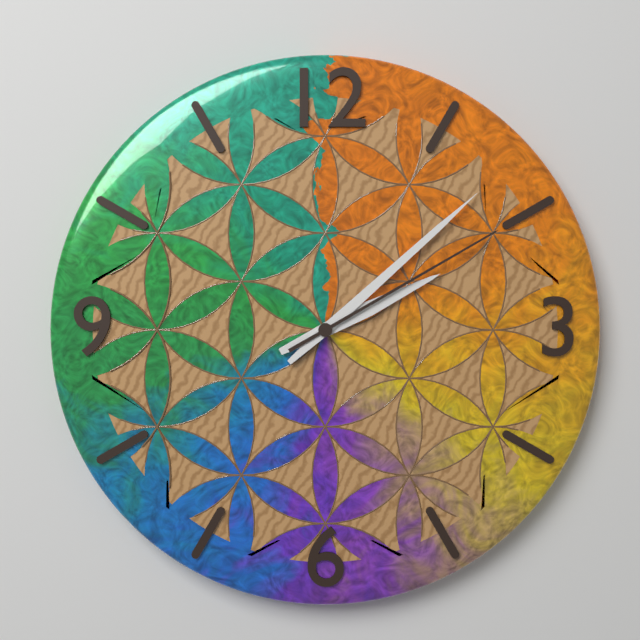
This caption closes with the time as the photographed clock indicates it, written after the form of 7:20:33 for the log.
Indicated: 2:08:10
